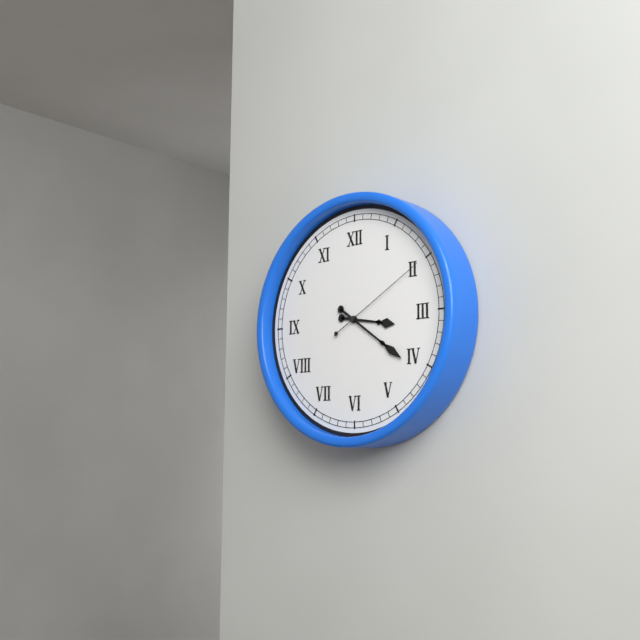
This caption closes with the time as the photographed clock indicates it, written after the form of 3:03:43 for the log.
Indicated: 3:21:10
